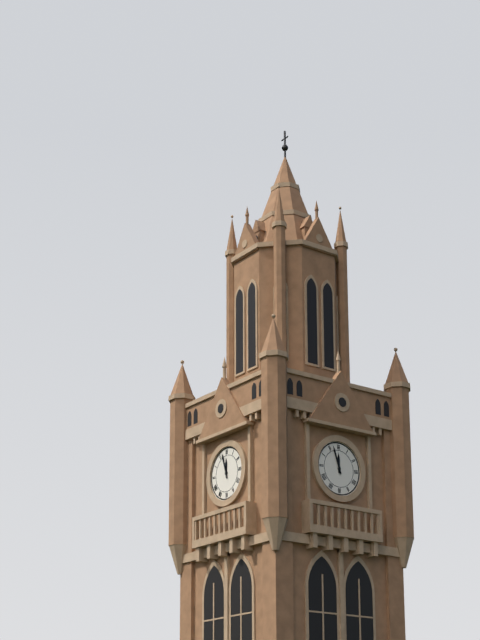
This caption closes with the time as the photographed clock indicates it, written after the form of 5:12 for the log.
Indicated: 11:57
